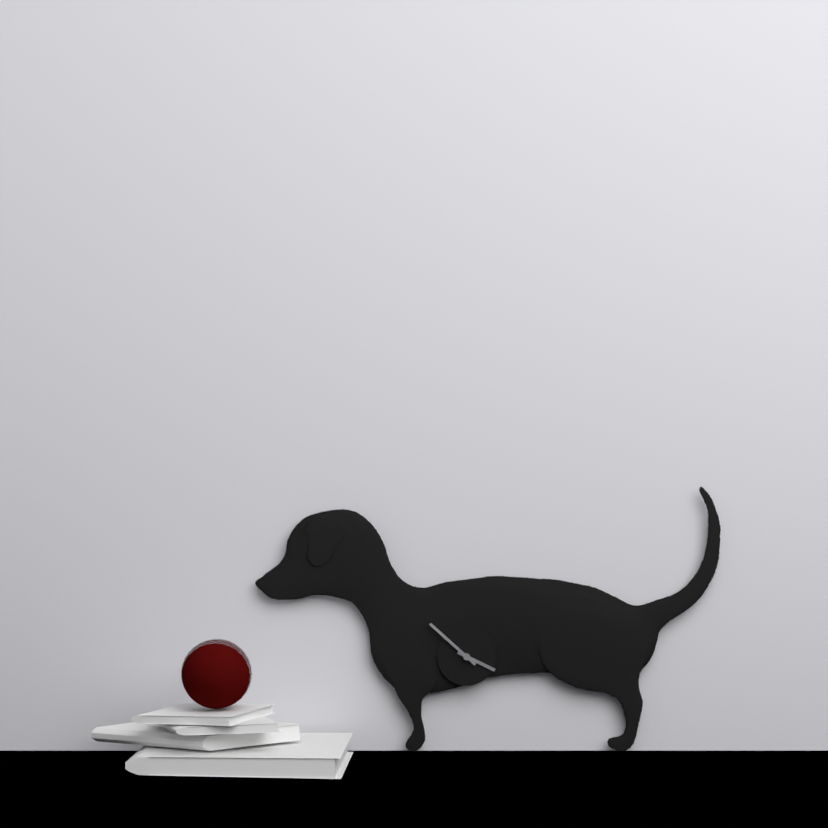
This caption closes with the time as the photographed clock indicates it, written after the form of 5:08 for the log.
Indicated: 3:52
